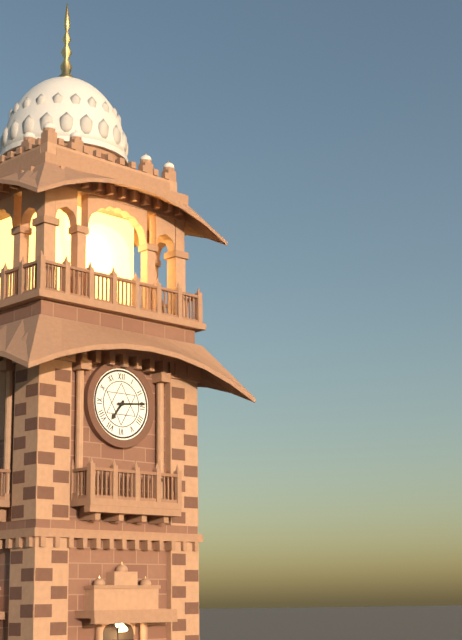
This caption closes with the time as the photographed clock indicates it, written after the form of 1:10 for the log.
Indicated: 7:14
